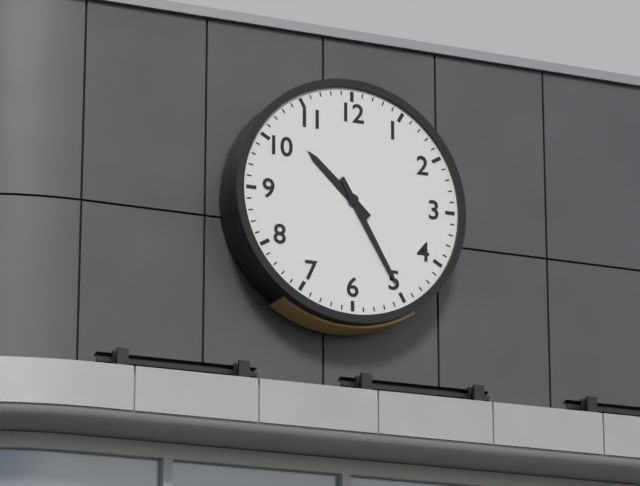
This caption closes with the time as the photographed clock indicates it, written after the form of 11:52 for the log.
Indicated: 10:25
